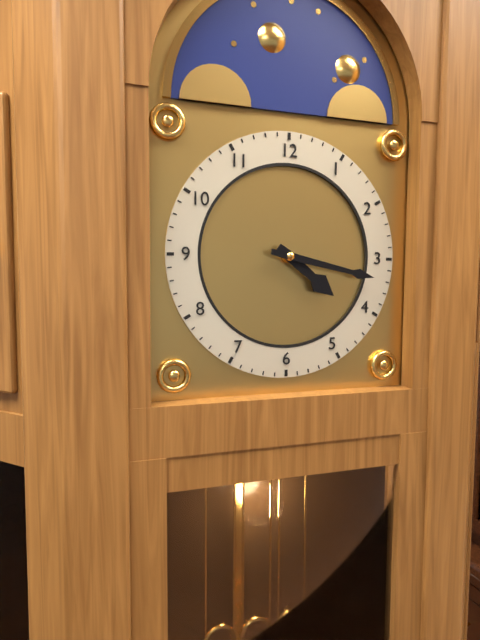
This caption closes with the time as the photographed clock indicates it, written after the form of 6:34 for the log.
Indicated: 4:17
